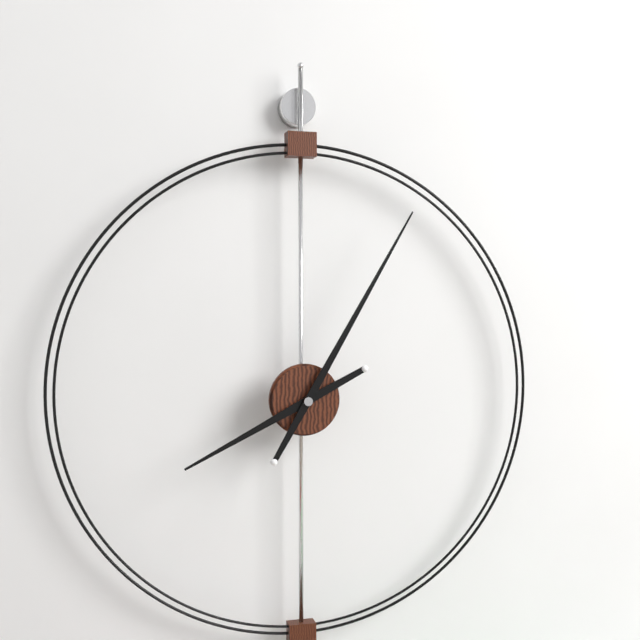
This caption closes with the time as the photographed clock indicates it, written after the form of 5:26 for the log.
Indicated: 8:05
